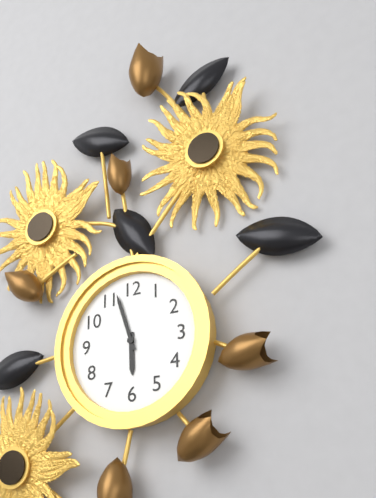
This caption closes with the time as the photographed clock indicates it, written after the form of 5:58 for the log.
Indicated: 5:57
